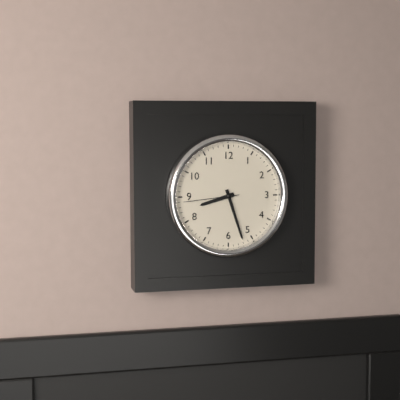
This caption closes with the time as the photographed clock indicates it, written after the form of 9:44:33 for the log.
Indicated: 8:27:44
